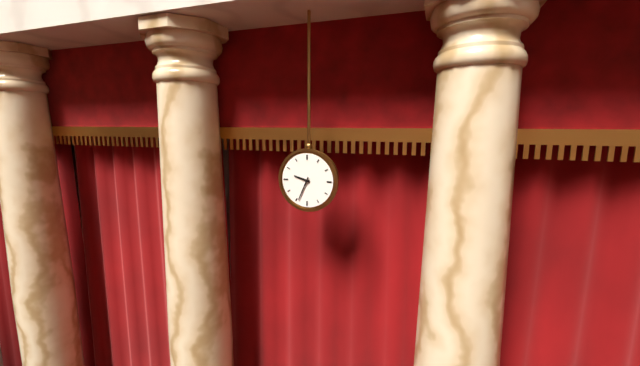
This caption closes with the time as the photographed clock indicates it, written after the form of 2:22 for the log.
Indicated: 9:34
